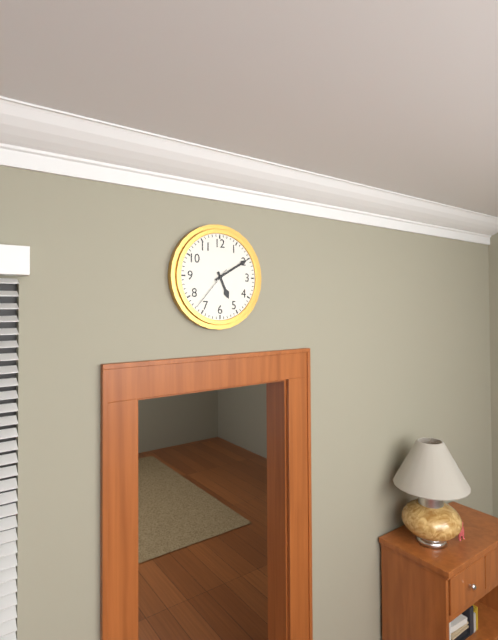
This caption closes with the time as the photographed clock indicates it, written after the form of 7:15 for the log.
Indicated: 5:10
